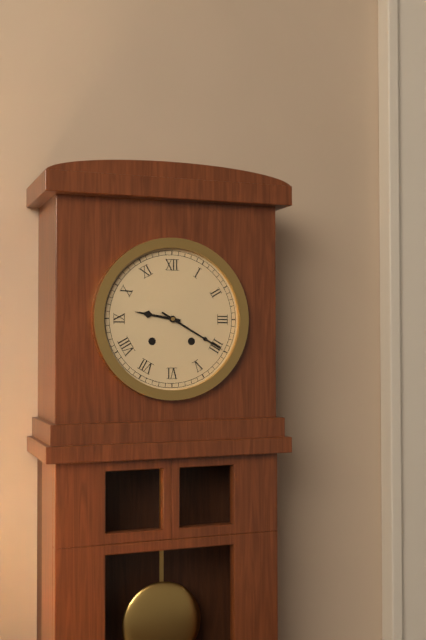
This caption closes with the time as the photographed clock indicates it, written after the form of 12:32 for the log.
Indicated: 9:20
